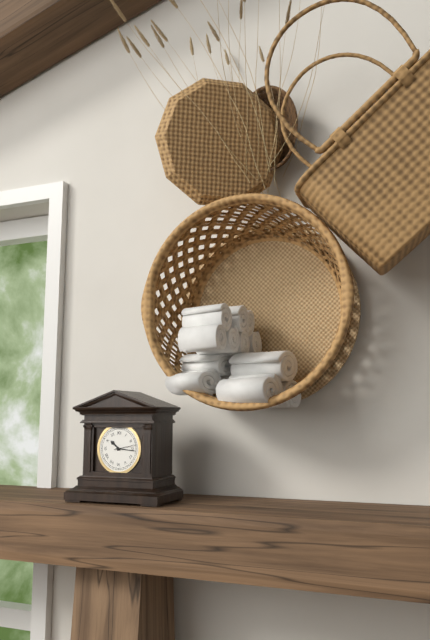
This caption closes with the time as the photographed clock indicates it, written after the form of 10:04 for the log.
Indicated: 10:16
